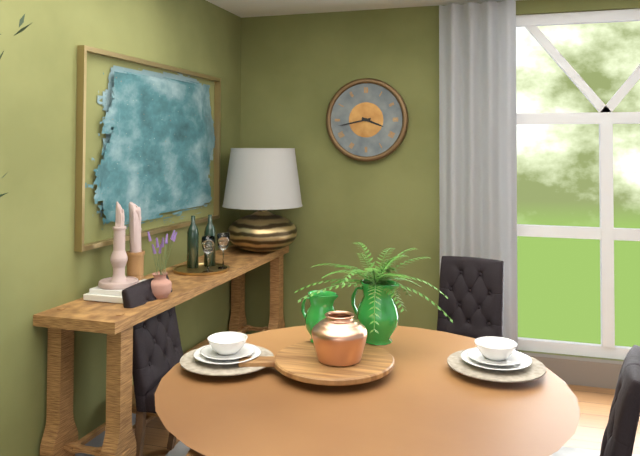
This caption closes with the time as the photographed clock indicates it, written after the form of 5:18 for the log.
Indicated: 3:43
